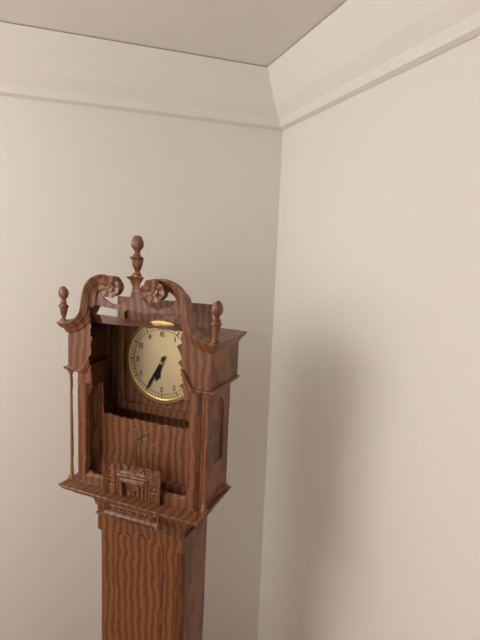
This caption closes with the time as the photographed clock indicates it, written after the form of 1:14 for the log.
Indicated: 6:35
